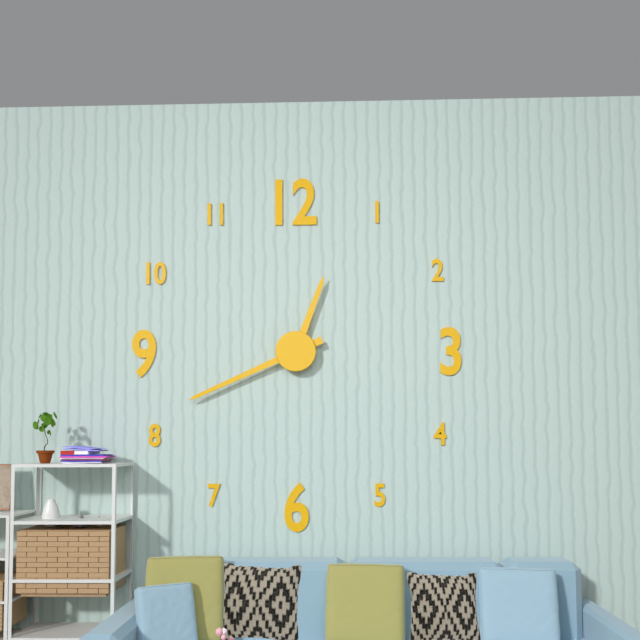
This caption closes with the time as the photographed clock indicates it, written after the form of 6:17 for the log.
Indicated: 12:41
